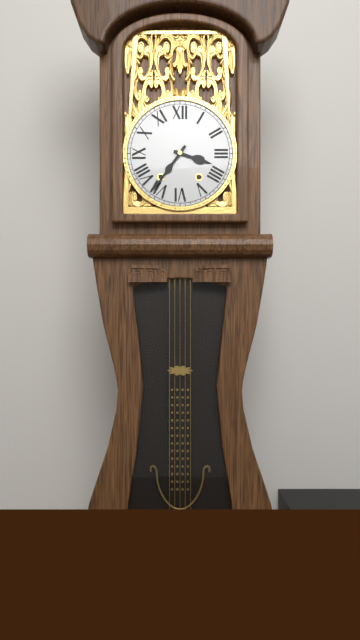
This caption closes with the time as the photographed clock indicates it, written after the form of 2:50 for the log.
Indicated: 3:36
